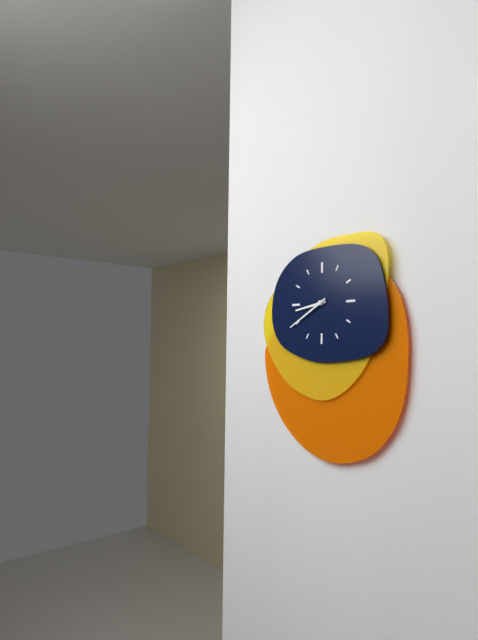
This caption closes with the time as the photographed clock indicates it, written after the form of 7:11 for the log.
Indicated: 8:40
